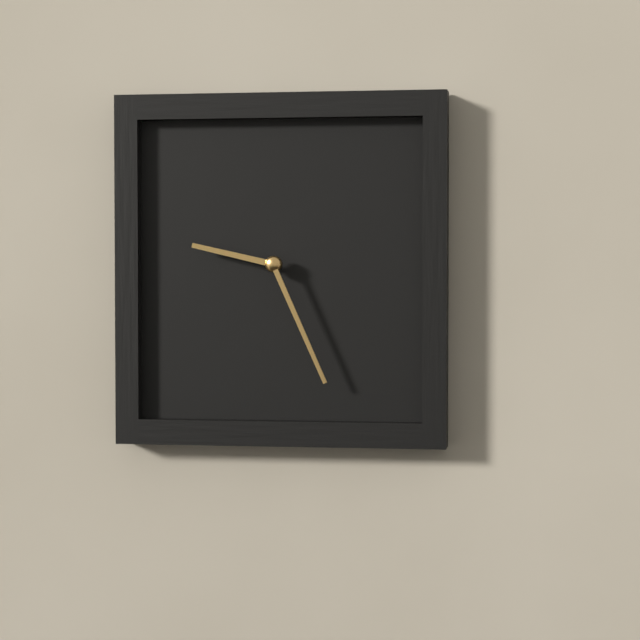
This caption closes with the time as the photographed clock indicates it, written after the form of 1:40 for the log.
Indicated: 9:26
